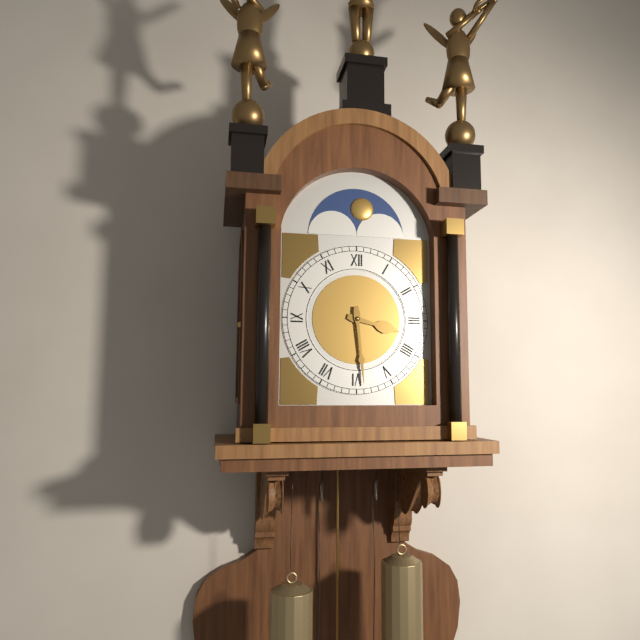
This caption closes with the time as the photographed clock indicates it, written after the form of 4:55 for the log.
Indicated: 3:29
